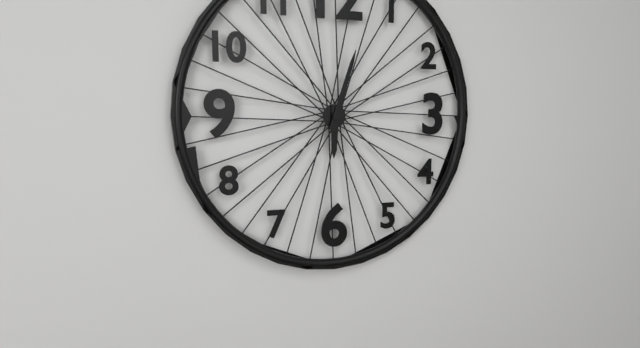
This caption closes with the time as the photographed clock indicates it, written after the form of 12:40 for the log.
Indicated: 6:03
